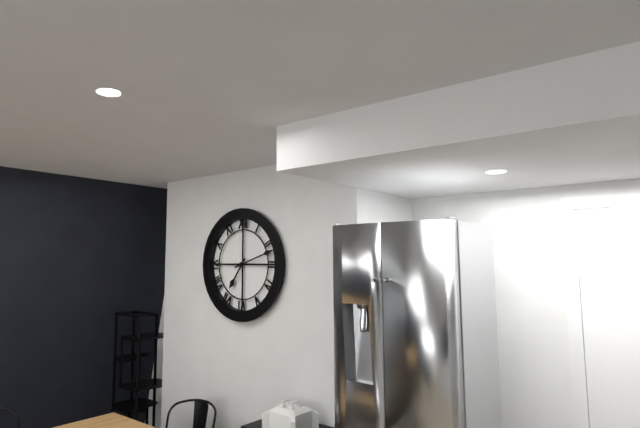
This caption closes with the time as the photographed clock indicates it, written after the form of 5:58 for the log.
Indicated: 7:12
